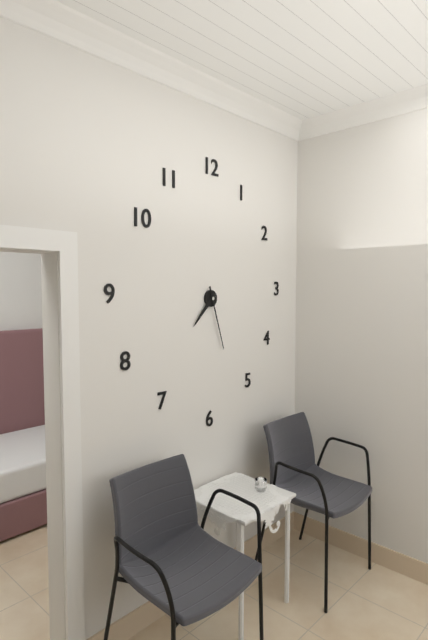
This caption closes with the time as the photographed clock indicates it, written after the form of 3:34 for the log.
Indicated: 7:27
